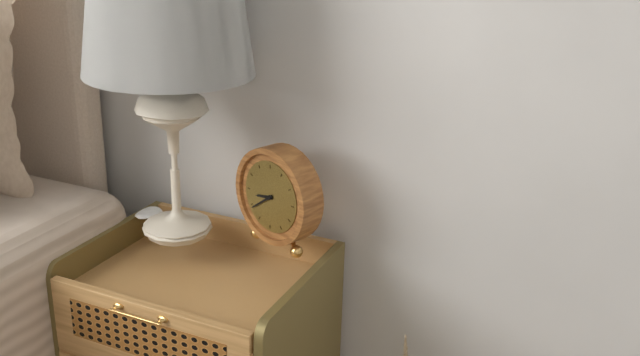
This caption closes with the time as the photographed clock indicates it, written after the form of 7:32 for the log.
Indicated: 8:39
